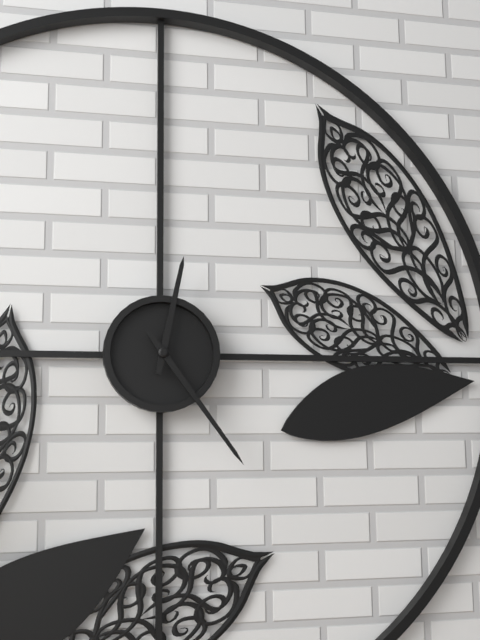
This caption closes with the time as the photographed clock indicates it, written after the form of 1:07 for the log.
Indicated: 12:24
